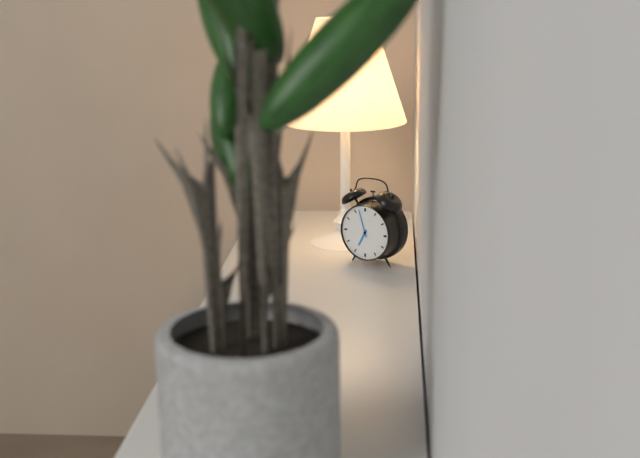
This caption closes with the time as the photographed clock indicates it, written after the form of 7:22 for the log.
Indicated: 6:57
